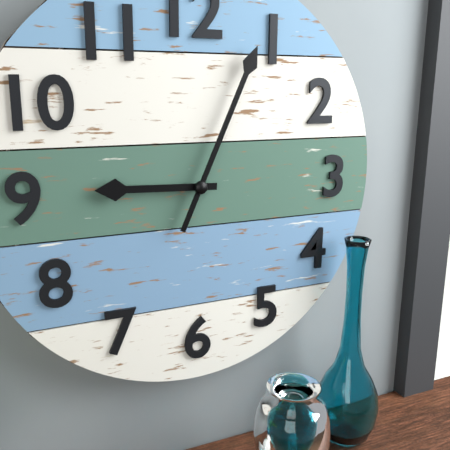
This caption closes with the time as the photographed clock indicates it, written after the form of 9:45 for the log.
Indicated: 9:04
